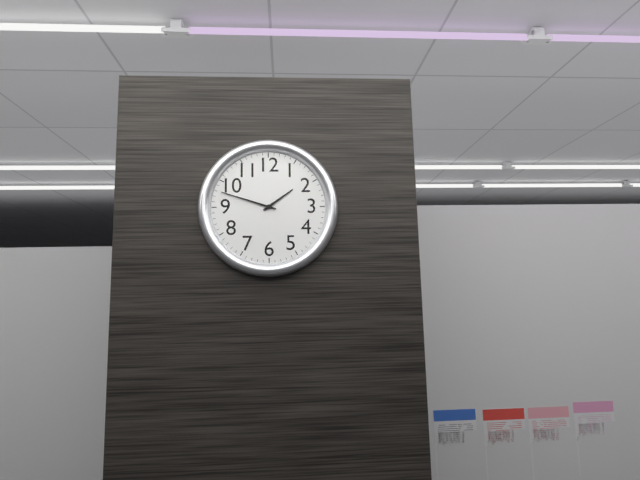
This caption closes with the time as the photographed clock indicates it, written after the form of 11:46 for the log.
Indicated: 1:48
